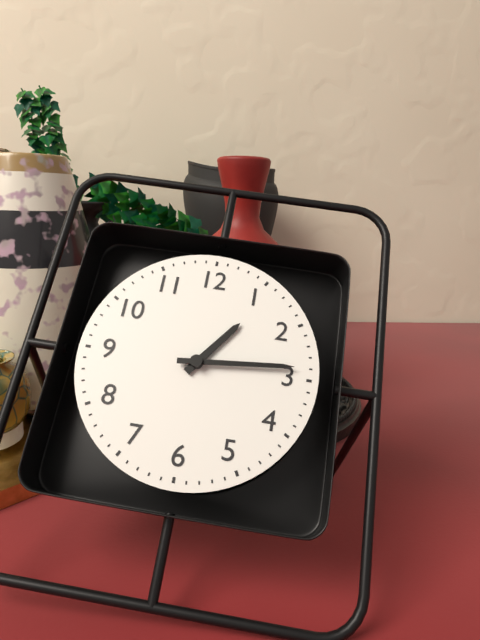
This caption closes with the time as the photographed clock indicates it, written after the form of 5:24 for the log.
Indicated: 1:14
